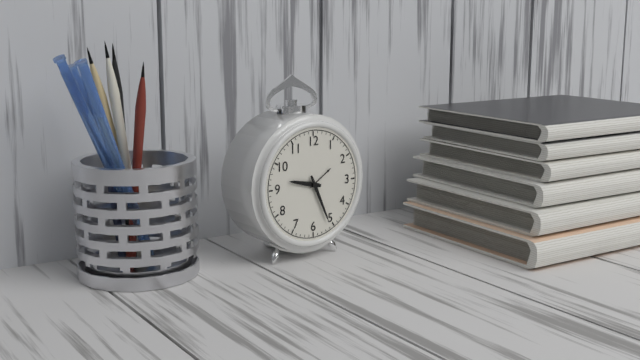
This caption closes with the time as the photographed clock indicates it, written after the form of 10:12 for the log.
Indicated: 9:26
